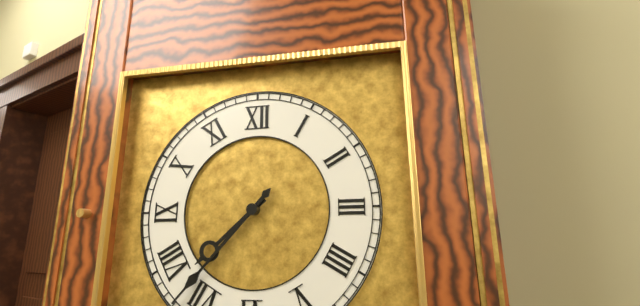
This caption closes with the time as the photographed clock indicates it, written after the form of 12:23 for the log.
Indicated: 7:37
